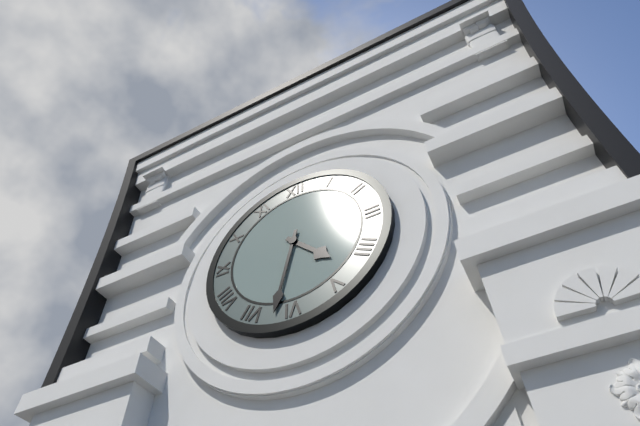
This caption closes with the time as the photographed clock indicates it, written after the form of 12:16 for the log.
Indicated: 4:32
